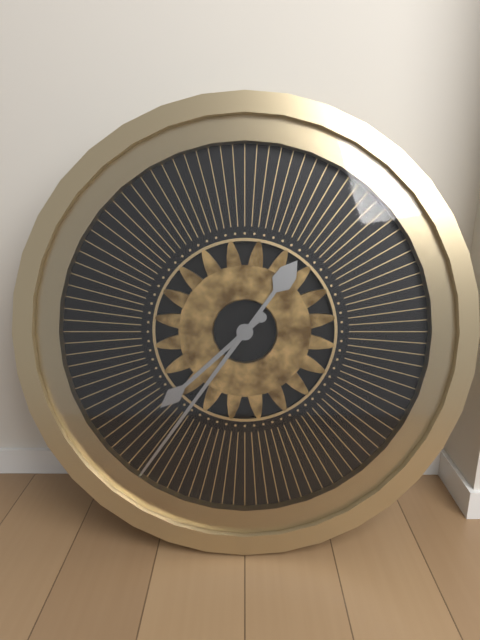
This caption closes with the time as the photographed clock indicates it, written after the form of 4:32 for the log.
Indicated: 7:36
